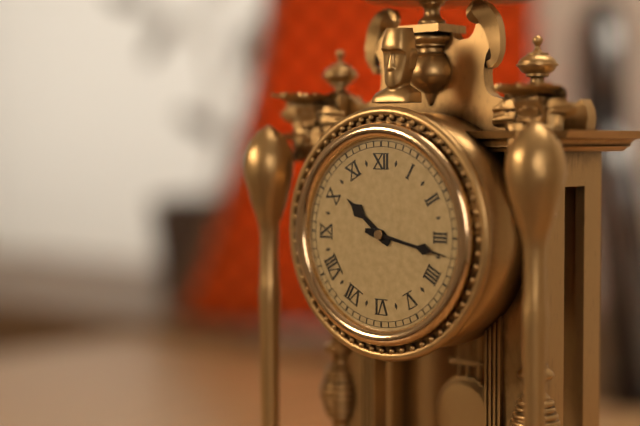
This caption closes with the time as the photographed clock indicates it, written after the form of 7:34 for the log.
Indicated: 10:17
